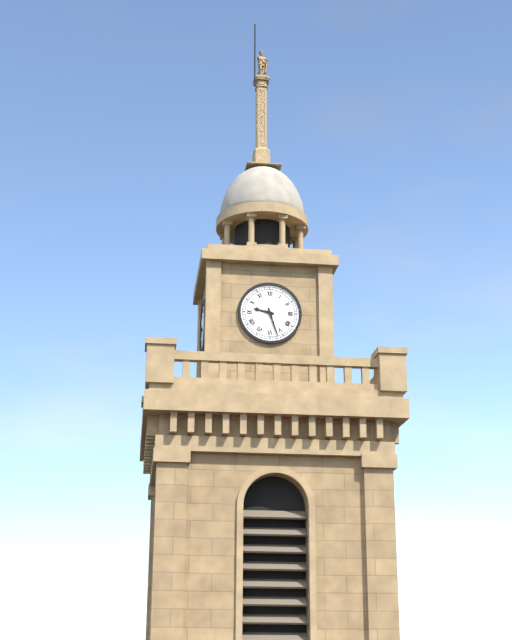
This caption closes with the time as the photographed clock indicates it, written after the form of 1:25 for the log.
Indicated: 9:27
